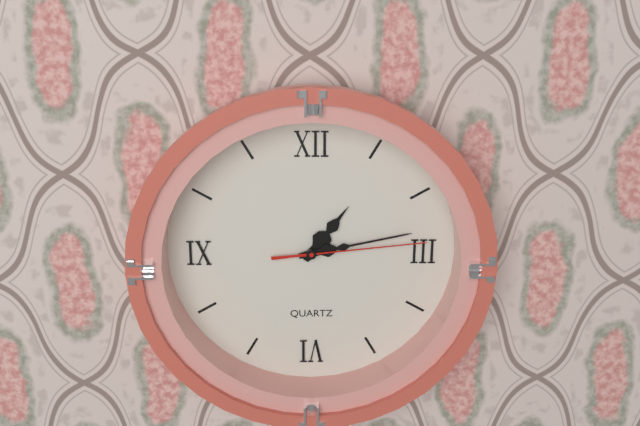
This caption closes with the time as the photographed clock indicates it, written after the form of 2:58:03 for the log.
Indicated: 1:13:14
